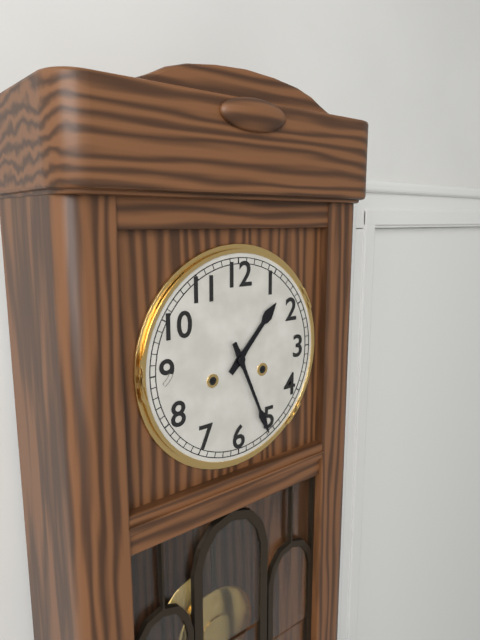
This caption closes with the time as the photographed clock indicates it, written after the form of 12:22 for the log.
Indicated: 1:26
